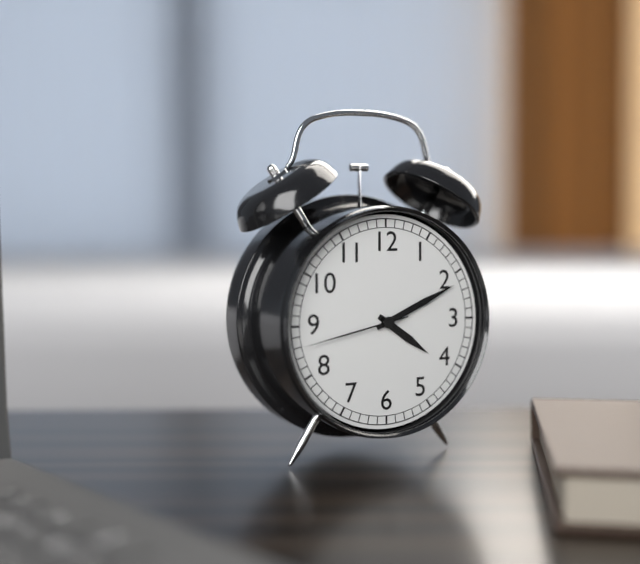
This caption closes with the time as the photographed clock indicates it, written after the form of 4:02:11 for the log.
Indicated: 4:11:43
